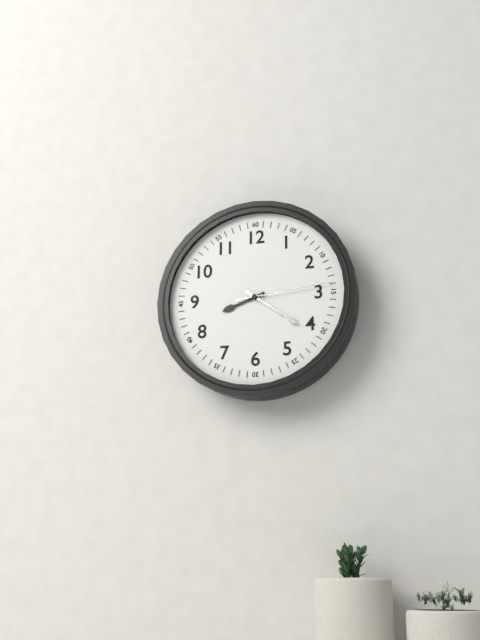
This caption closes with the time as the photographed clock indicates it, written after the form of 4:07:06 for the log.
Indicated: 8:21:14
